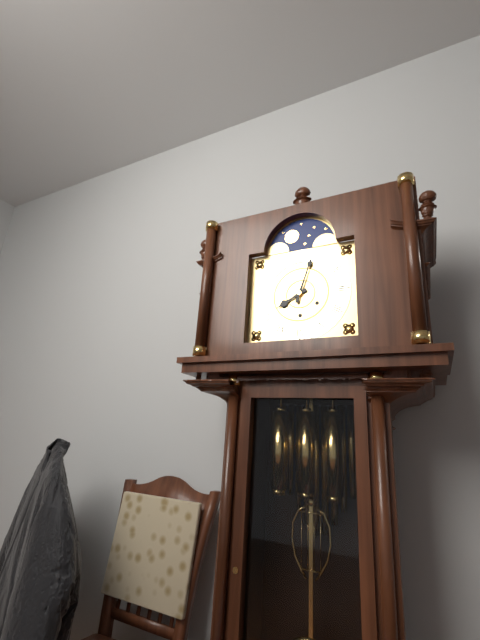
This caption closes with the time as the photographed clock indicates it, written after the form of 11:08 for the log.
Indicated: 8:03
